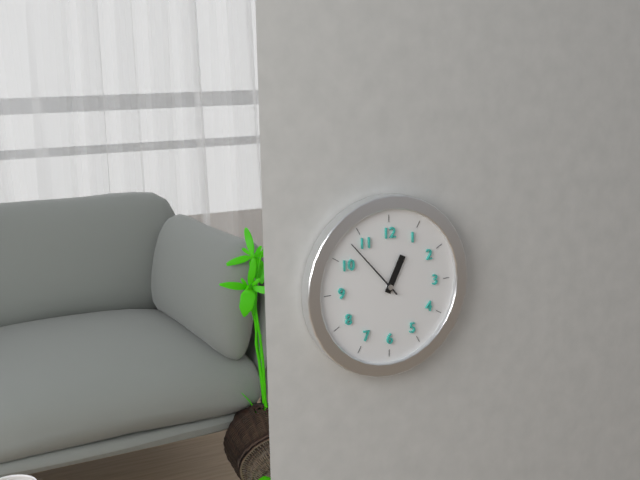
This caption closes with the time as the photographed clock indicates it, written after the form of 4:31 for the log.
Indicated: 12:53
